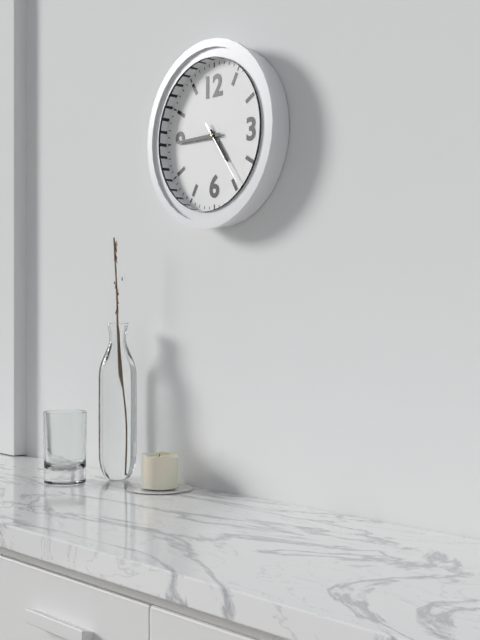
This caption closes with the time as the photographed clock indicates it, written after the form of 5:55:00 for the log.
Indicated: 4:45:24
